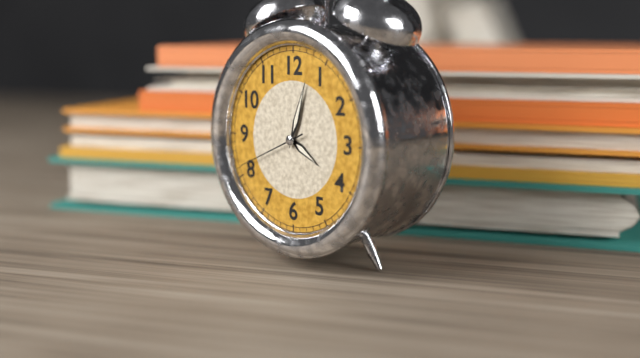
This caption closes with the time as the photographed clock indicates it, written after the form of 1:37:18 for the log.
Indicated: 4:03:41
